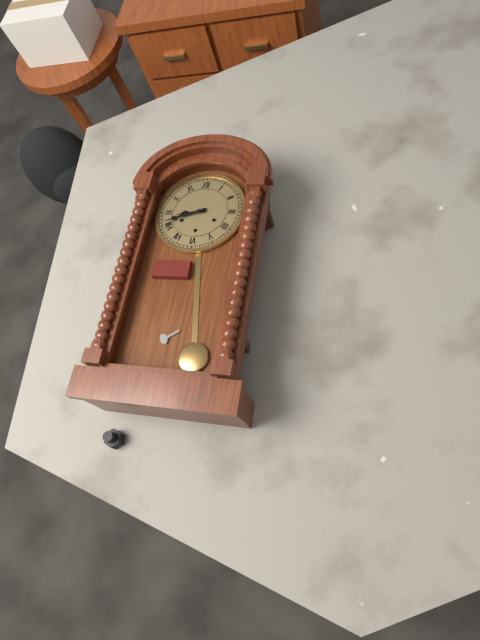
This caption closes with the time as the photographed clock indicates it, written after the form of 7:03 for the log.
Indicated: 8:42
